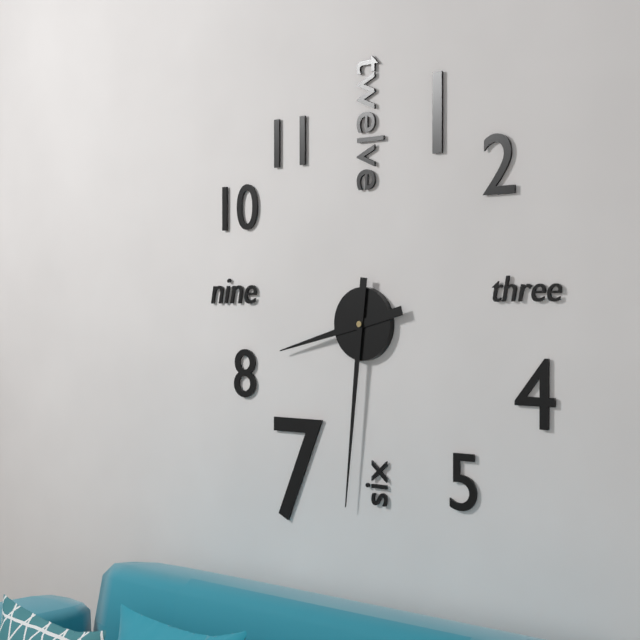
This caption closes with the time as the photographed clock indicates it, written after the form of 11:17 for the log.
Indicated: 8:31
